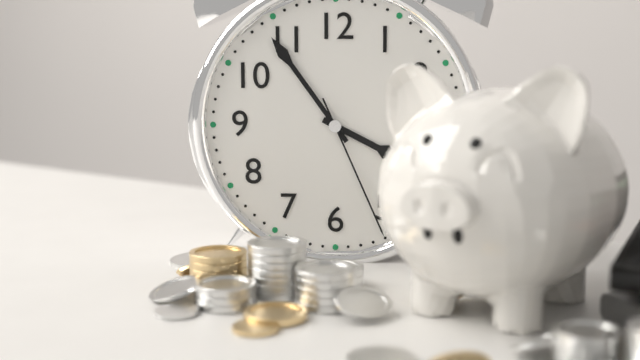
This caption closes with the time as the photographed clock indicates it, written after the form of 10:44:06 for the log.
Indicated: 3:54:26
